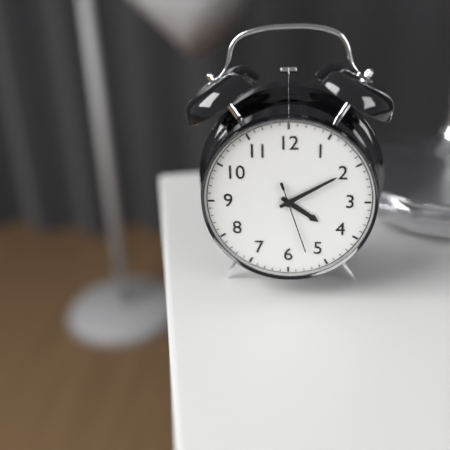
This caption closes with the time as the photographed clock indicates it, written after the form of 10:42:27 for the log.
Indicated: 4:10:27
